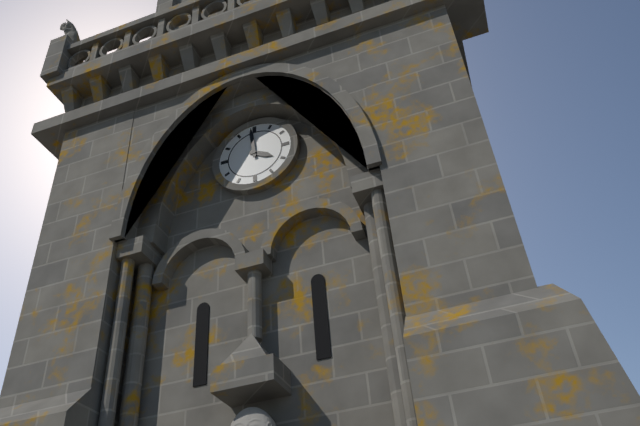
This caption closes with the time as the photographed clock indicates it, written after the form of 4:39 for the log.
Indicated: 3:59
